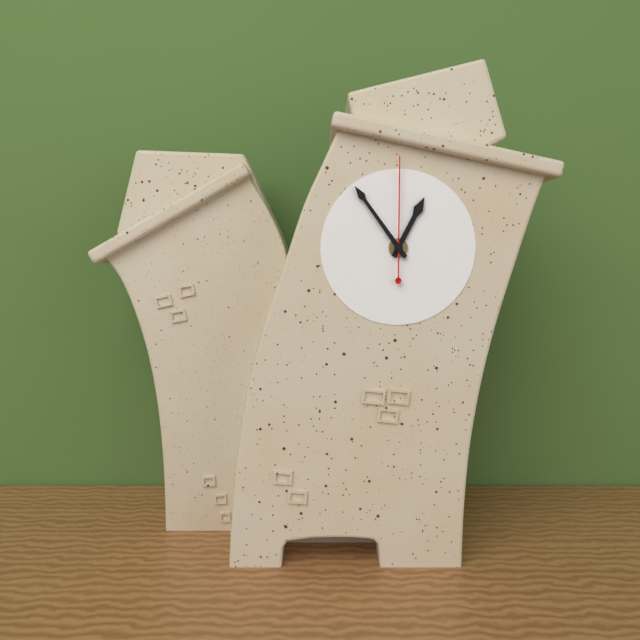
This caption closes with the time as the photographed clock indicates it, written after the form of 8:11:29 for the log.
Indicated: 12:54:00
